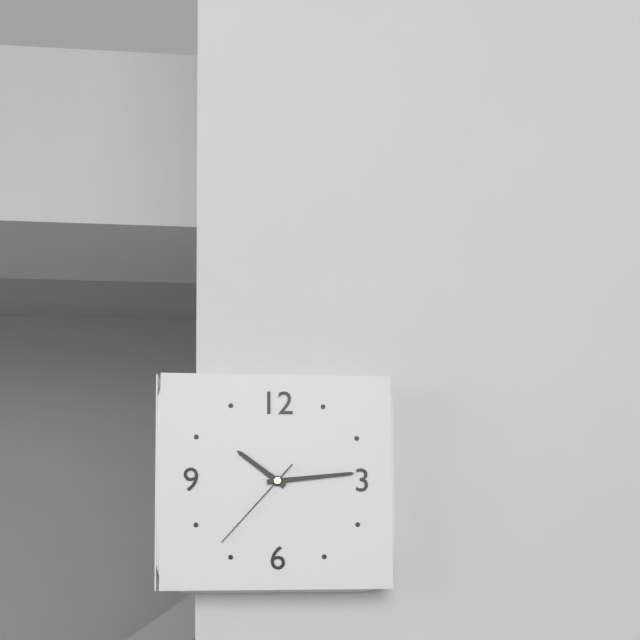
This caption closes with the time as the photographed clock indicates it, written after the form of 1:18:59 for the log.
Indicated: 10:14:37
